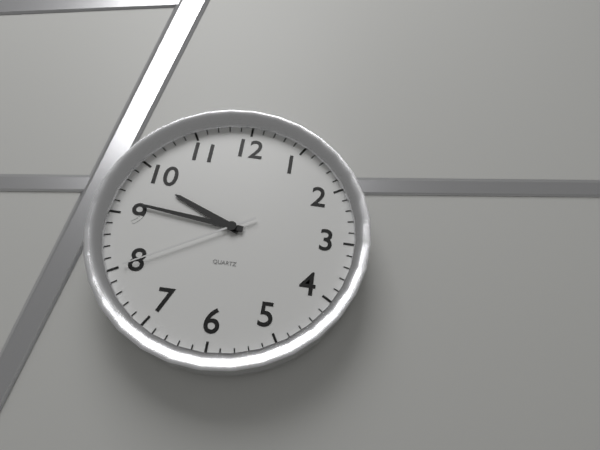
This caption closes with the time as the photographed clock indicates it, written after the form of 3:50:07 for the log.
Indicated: 9:46:40
